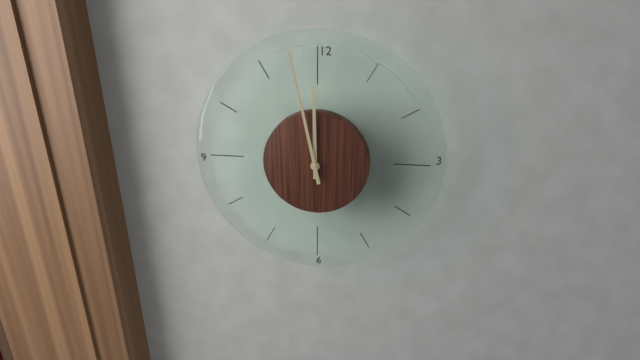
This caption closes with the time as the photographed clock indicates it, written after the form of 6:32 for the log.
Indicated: 11:58
